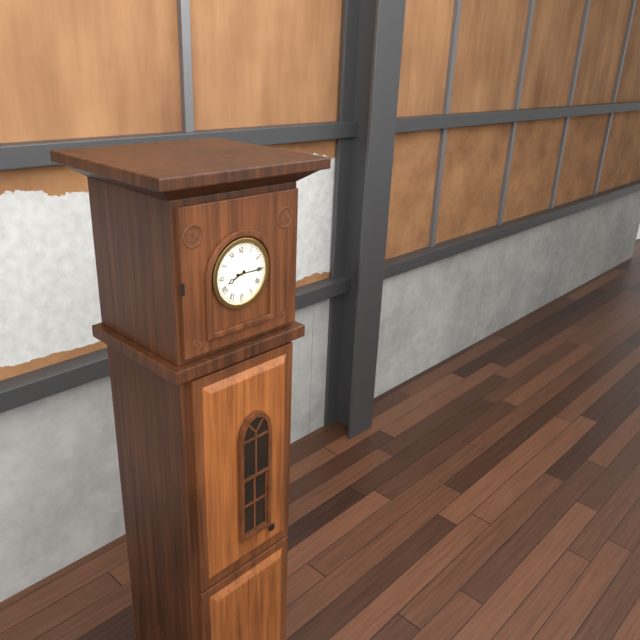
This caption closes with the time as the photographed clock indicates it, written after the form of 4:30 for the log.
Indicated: 8:15
